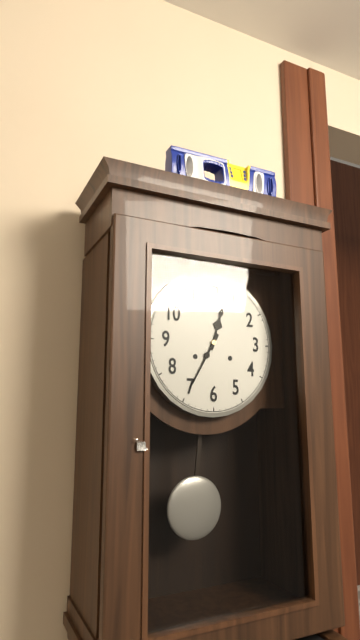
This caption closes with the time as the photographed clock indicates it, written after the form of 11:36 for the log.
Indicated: 12:35
